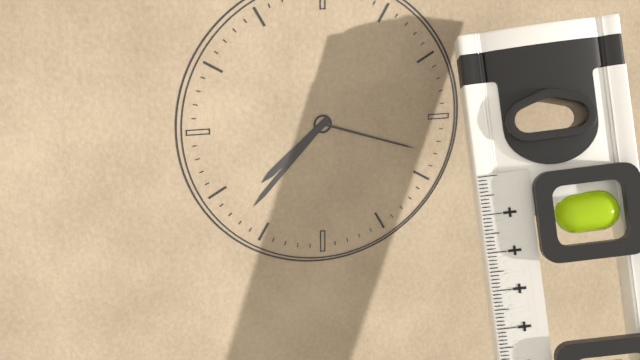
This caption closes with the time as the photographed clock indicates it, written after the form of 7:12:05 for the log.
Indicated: 7:37:18
